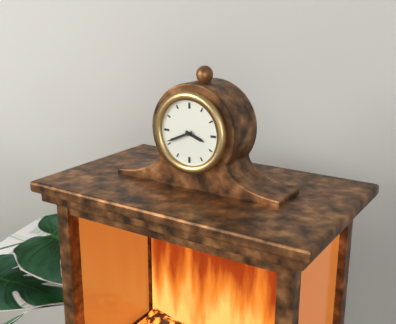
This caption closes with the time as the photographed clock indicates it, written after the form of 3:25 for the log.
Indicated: 3:41
